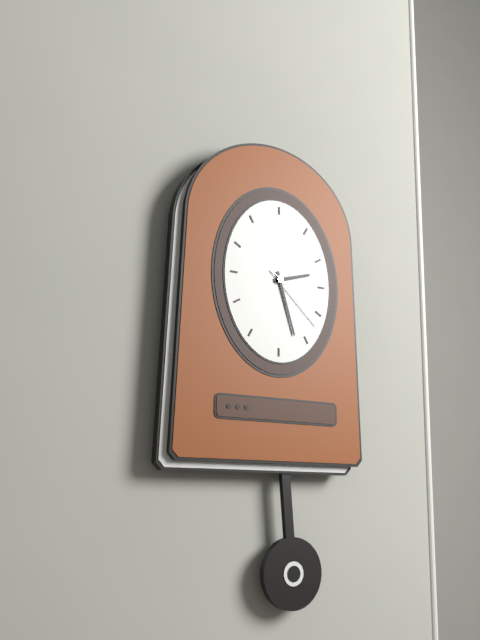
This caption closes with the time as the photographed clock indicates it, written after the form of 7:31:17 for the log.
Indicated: 2:27:22
